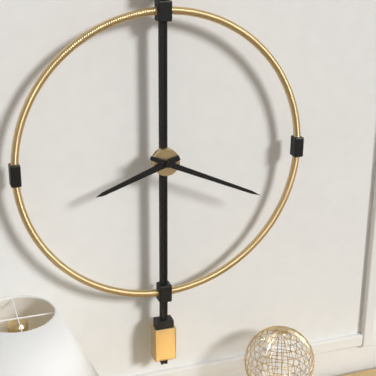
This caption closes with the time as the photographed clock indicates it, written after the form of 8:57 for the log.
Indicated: 8:19
